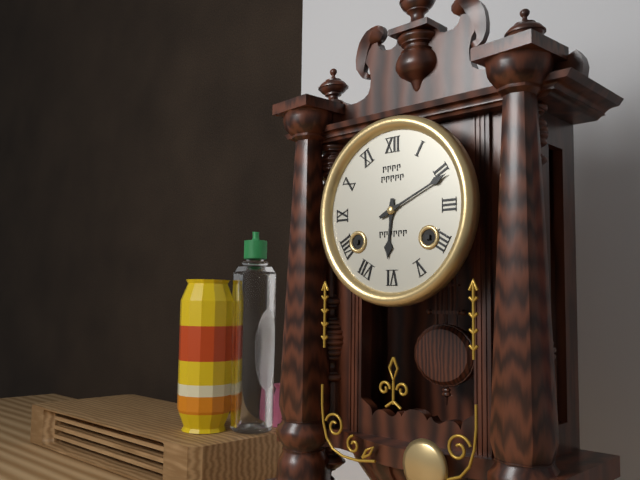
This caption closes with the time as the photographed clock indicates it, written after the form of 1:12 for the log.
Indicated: 6:11
